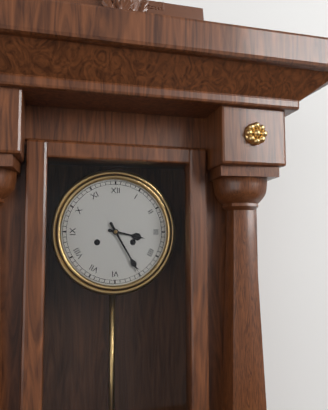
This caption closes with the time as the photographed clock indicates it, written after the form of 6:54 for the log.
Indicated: 3:25
